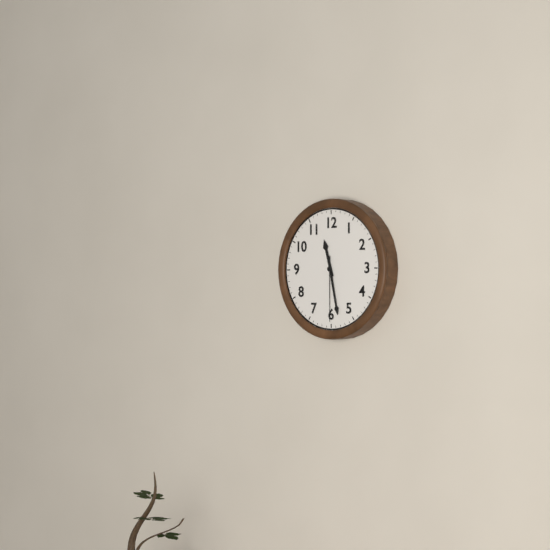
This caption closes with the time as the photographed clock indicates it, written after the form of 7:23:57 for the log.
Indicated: 11:28:30
